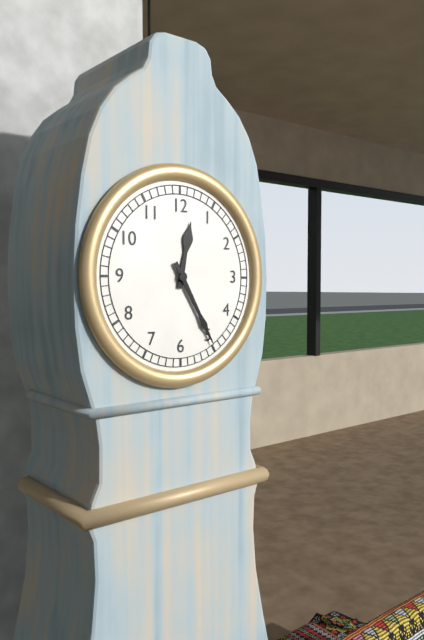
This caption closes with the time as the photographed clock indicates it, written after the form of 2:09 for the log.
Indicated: 12:25
